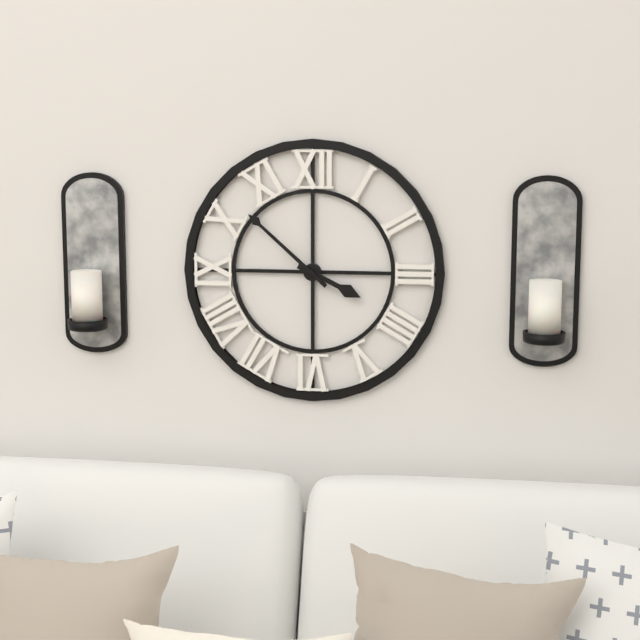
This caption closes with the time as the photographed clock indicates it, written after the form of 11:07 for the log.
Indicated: 3:52
